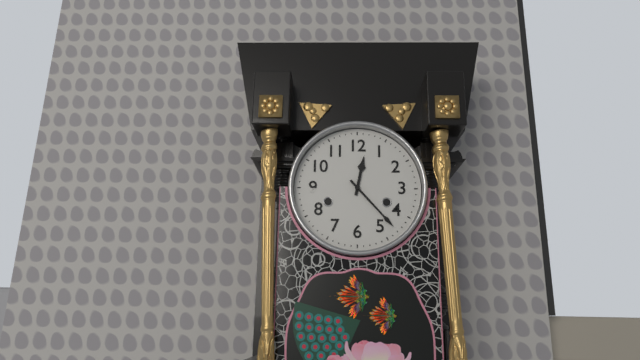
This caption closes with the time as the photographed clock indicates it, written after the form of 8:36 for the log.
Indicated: 12:23
